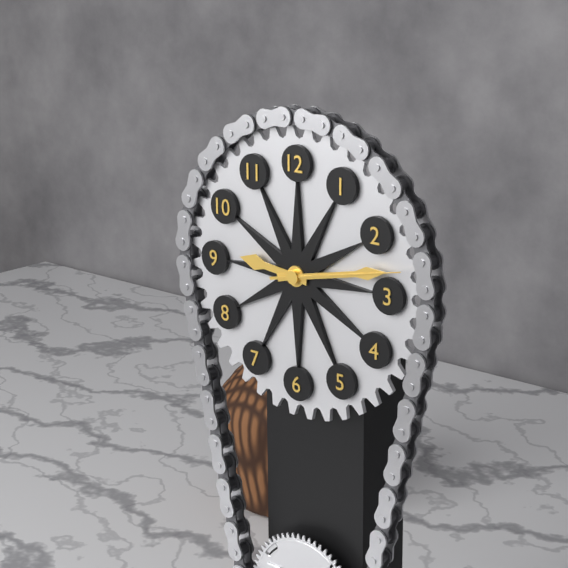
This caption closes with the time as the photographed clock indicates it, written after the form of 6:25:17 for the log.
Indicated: 9:13:13
